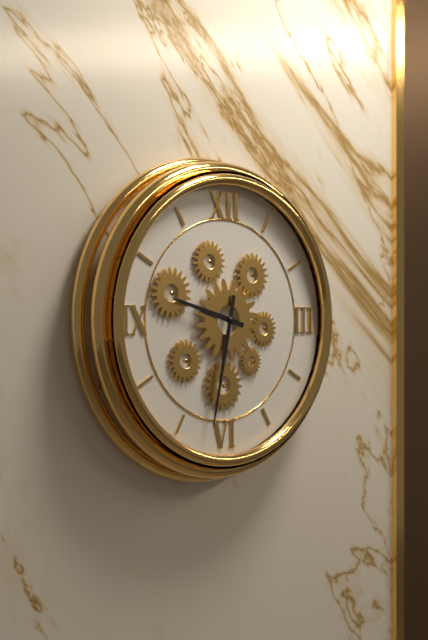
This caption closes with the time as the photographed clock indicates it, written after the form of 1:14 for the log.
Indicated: 9:32
